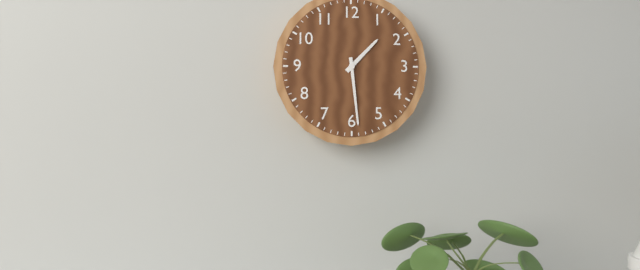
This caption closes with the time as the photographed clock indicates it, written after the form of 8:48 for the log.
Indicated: 1:29
